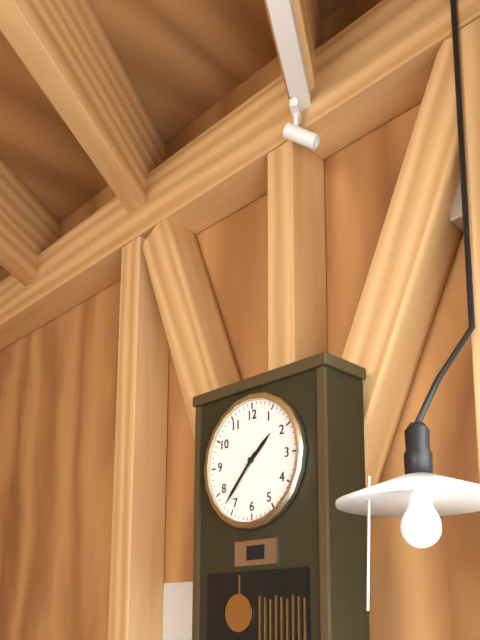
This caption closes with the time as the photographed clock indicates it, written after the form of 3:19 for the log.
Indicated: 1:37
